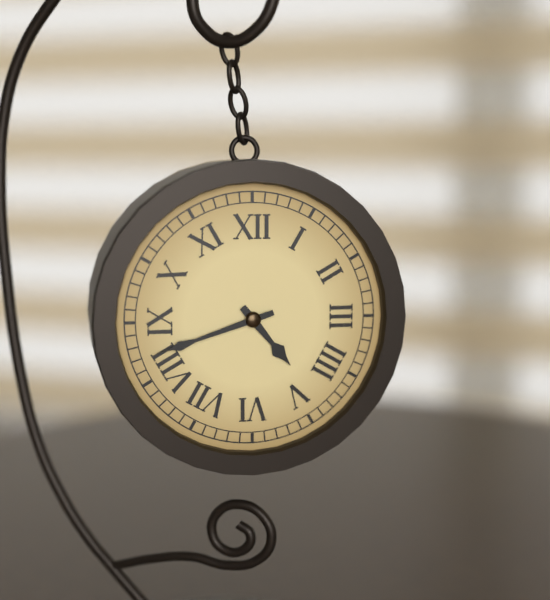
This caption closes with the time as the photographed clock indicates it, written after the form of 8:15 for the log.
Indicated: 4:42
